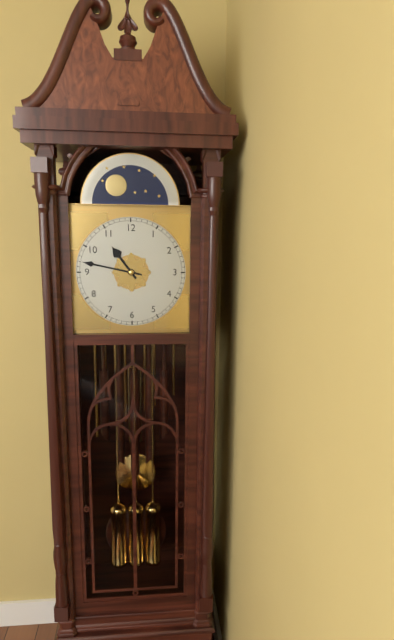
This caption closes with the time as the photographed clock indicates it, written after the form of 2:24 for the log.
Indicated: 10:47
